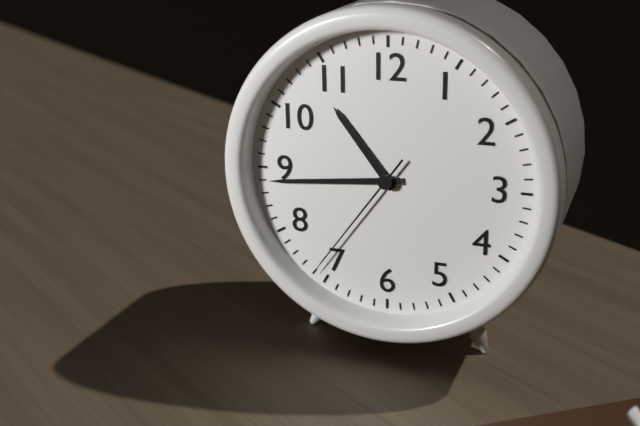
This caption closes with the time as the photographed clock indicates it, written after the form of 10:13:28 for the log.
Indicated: 10:44:36
